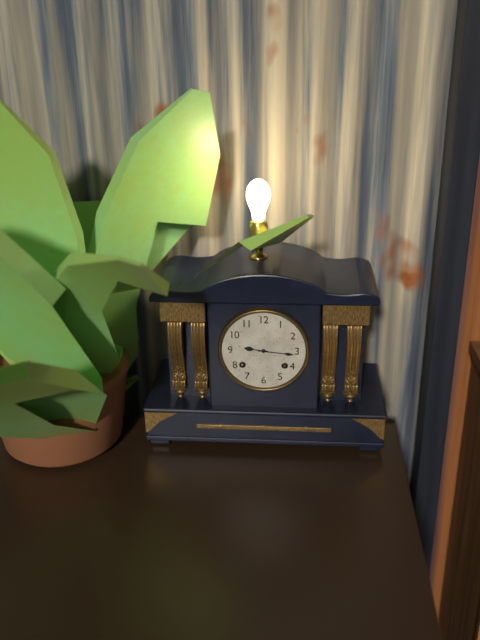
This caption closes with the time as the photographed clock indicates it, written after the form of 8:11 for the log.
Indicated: 9:16
